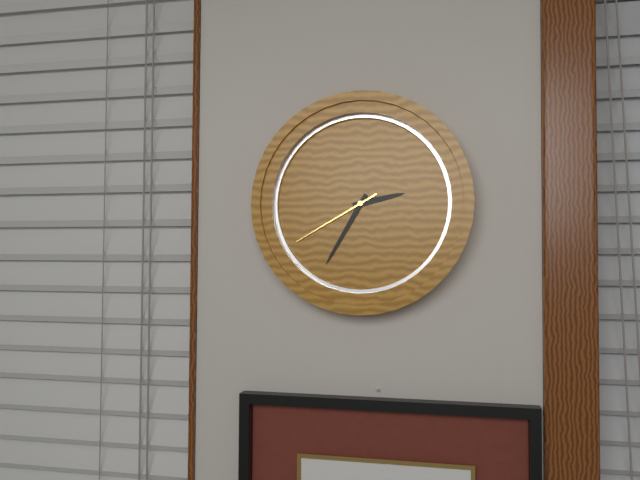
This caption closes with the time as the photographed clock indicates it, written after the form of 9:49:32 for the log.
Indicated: 2:35:40
